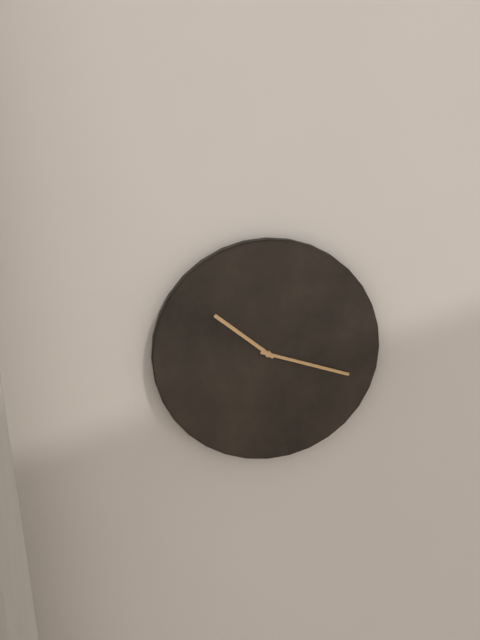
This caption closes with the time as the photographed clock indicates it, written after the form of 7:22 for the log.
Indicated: 10:18
